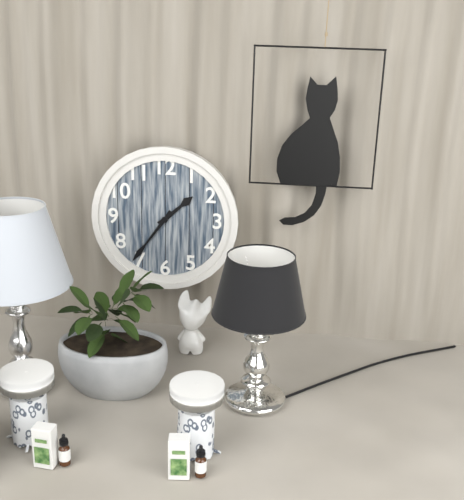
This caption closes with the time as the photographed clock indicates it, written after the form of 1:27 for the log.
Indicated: 1:36
